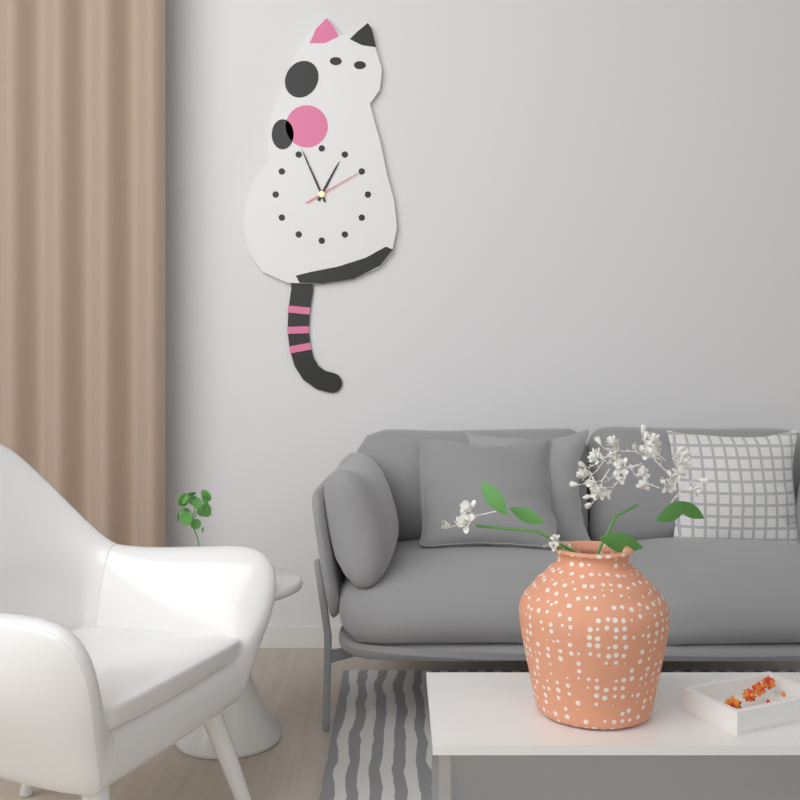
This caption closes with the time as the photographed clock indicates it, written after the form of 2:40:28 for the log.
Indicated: 12:56:10
